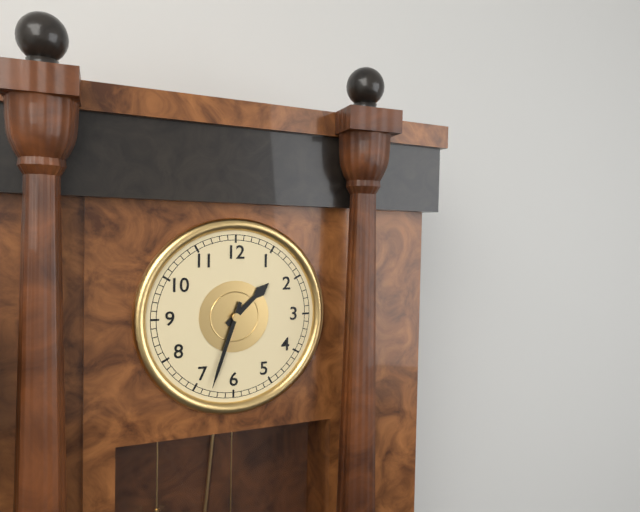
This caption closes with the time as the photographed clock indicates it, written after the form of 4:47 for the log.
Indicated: 1:33
